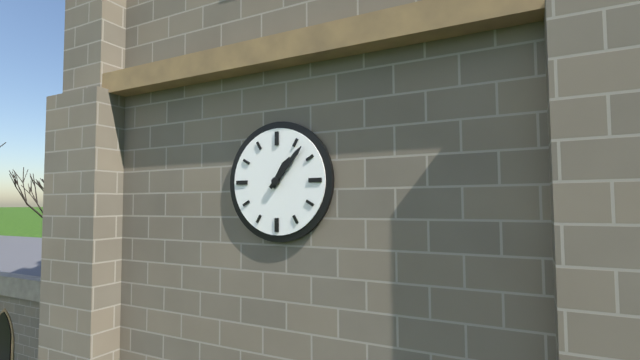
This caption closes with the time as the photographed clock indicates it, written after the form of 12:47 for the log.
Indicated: 1:07
